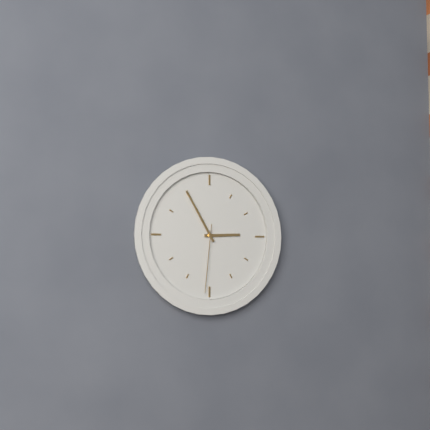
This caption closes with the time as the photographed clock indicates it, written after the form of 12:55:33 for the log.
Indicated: 2:55:31
